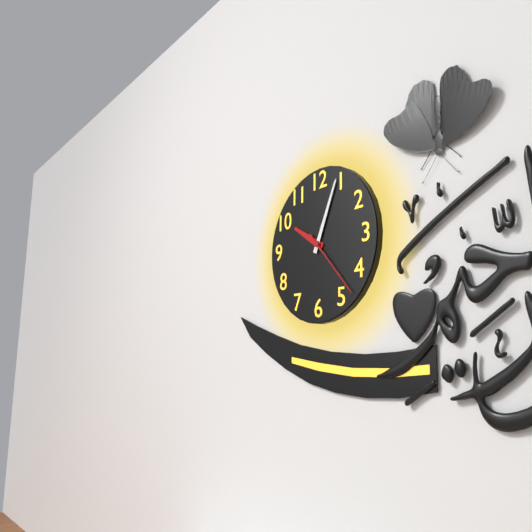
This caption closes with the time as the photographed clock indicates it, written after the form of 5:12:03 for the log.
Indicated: 10:04:23
